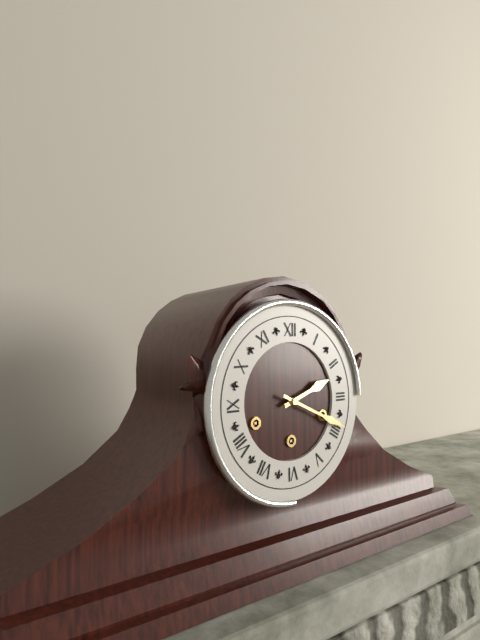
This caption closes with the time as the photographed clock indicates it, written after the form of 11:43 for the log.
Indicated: 2:19
